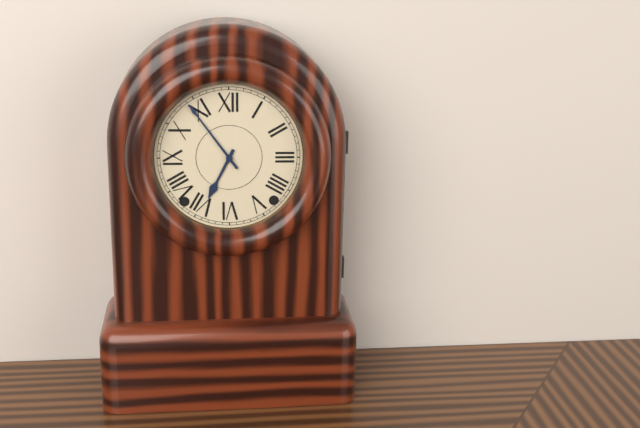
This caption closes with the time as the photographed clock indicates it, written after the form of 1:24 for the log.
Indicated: 6:54
